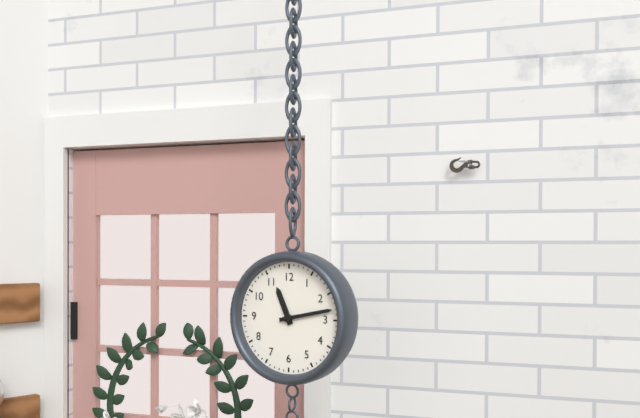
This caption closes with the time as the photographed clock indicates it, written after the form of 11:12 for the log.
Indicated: 11:13
